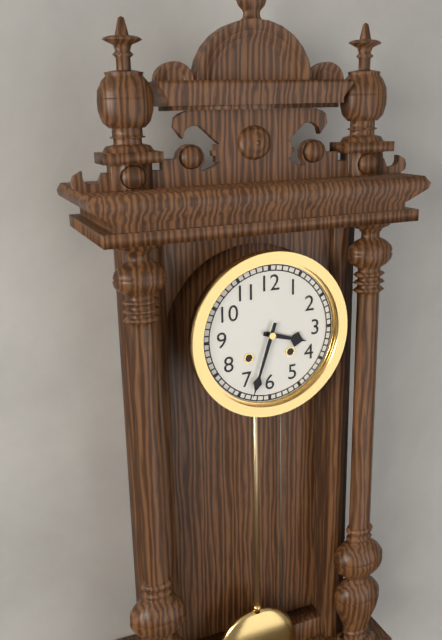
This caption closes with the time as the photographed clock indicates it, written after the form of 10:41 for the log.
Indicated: 3:33
